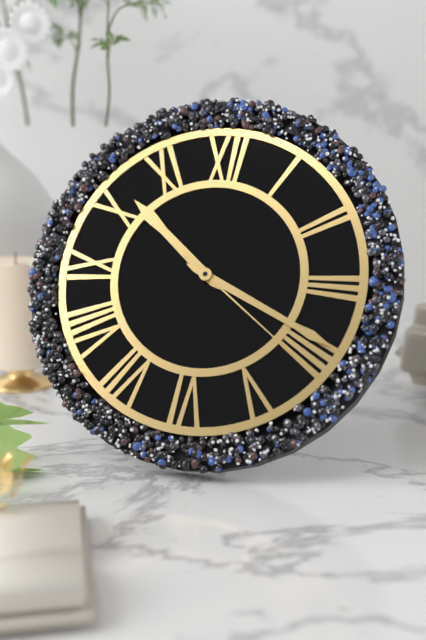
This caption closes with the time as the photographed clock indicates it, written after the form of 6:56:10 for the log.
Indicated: 10:19:21
